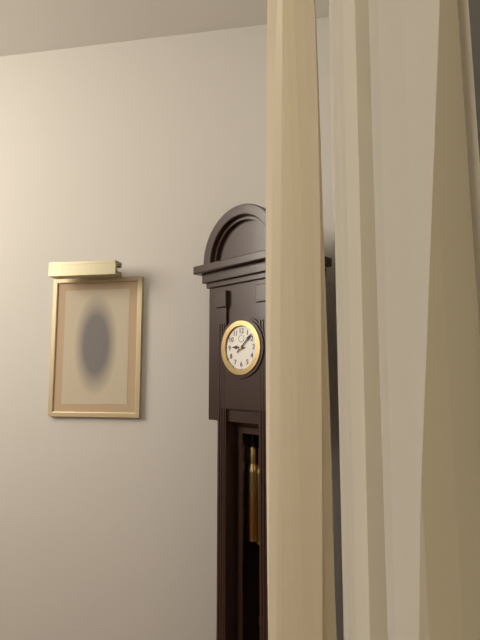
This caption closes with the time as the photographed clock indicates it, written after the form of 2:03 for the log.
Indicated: 9:08
